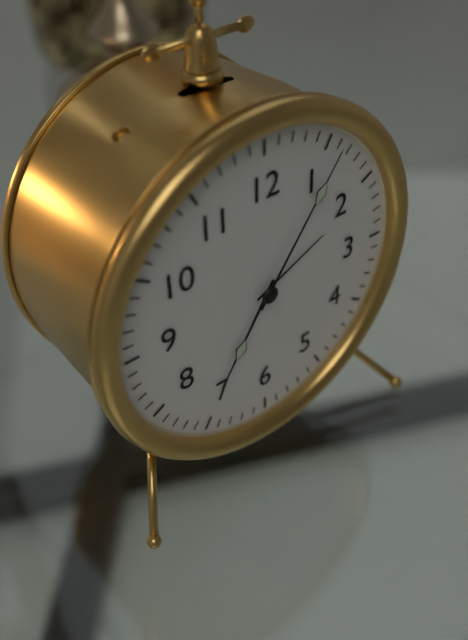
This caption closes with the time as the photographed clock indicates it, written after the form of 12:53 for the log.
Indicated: 7:06
